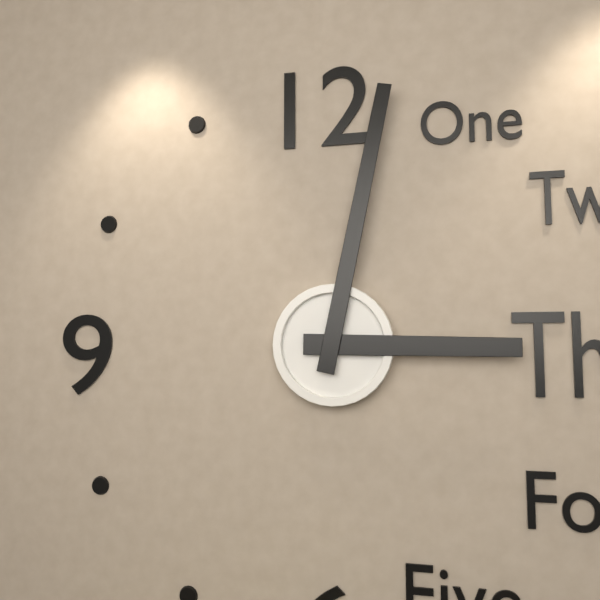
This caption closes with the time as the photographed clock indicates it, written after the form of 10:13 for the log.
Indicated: 3:02
